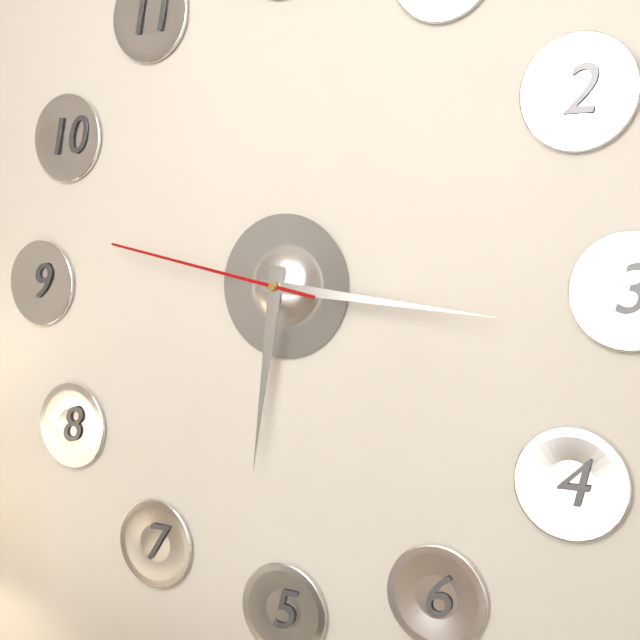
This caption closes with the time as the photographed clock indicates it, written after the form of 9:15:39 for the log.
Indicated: 6:16:47
